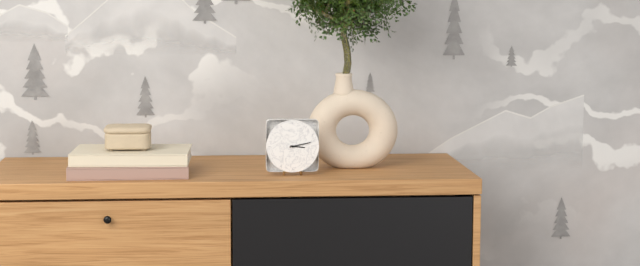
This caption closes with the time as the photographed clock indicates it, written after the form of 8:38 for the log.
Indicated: 3:13
